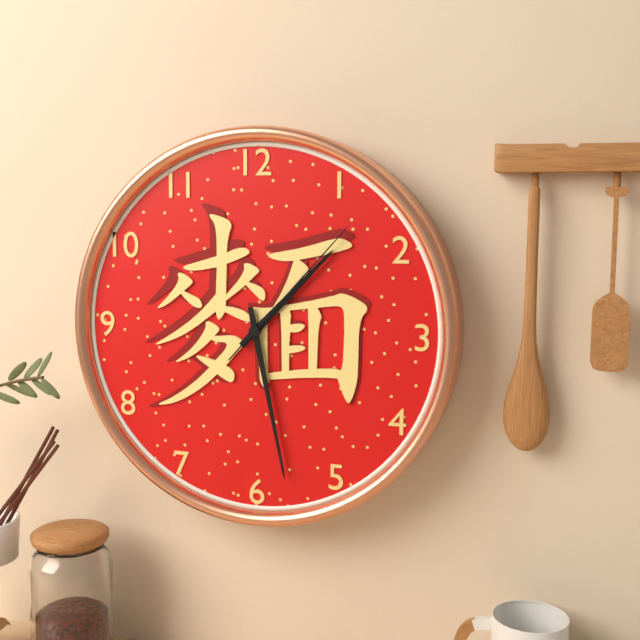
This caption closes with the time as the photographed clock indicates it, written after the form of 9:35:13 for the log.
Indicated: 1:28:07
